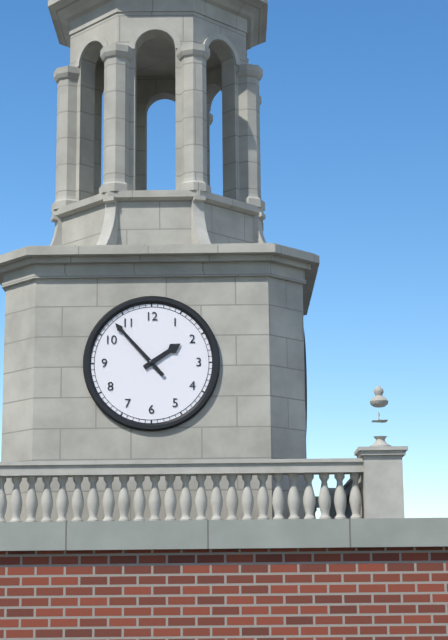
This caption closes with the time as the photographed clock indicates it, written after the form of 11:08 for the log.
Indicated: 1:53
